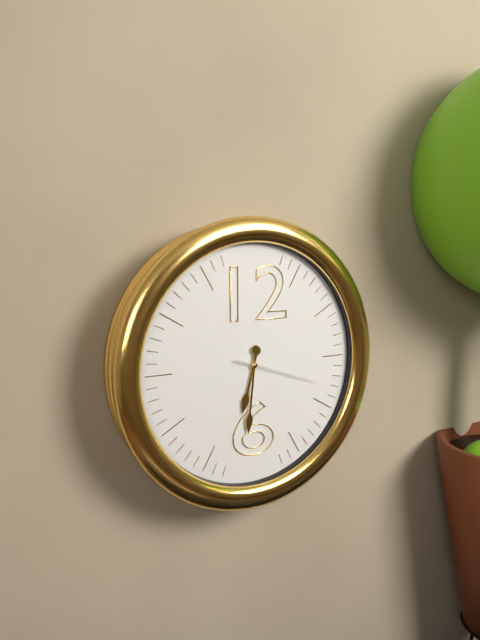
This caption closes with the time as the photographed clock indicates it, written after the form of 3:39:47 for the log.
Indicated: 6:31:18
